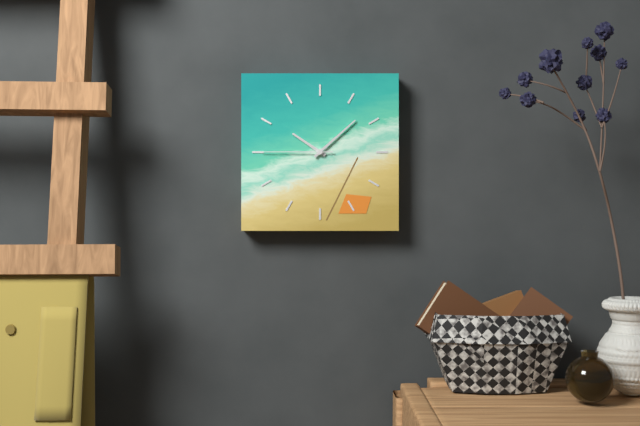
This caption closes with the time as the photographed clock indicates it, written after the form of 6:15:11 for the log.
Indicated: 10:08:45
